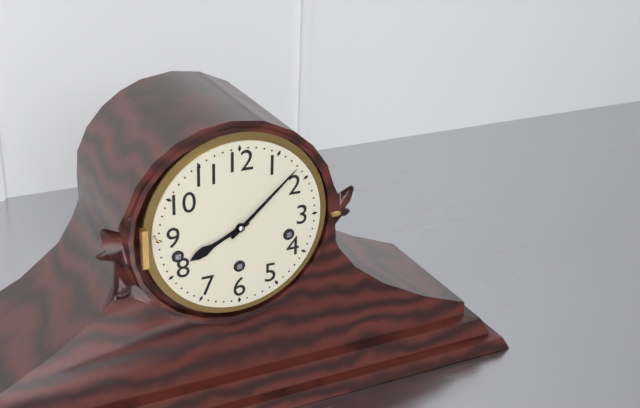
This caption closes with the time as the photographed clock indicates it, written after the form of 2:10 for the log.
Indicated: 8:08
